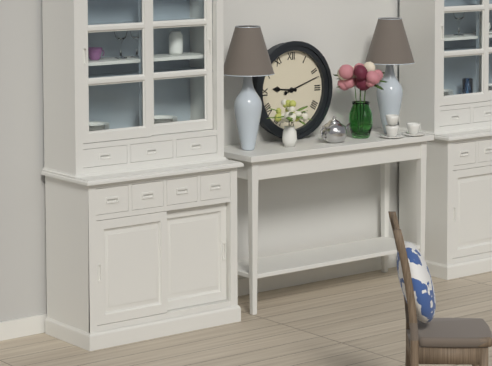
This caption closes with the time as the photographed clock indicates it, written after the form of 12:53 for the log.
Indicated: 9:12
